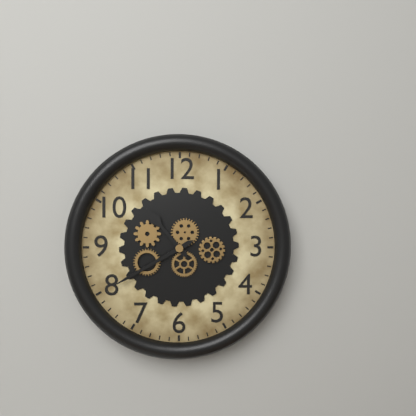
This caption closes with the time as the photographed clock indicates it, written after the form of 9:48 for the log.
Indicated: 10:40
